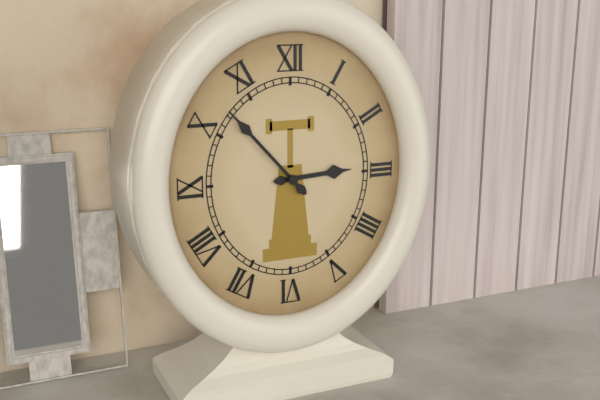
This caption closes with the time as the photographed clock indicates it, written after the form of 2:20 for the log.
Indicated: 2:53
